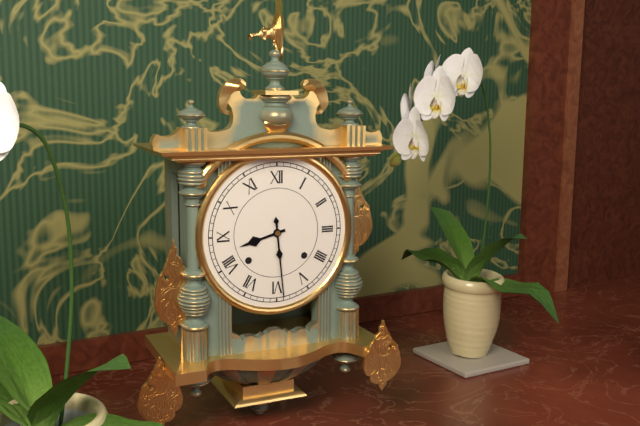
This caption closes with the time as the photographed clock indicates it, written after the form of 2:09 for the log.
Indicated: 8:29
